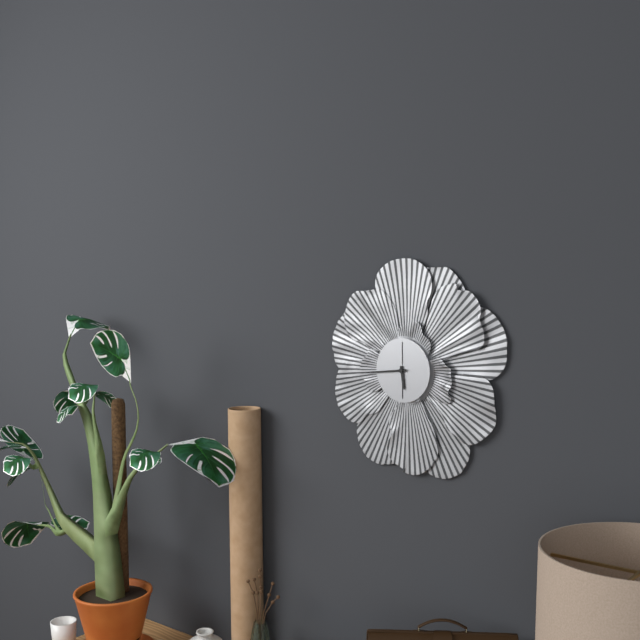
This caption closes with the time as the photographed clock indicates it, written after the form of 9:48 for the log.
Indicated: 5:44
